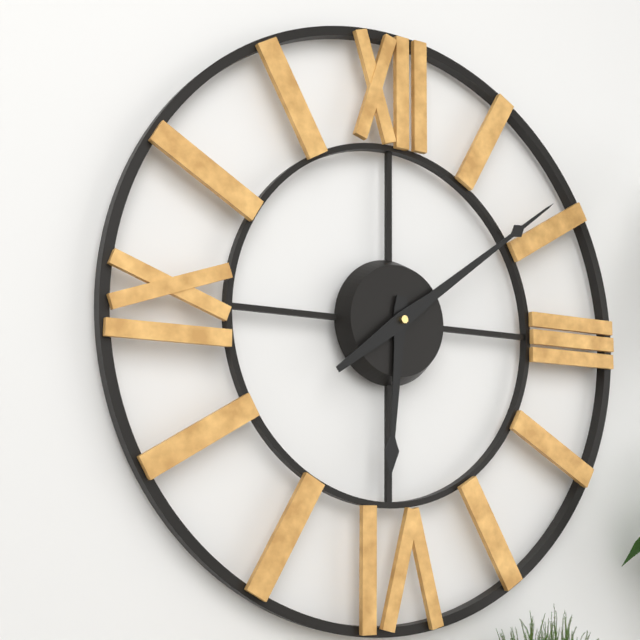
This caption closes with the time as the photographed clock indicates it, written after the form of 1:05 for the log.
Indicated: 6:09
